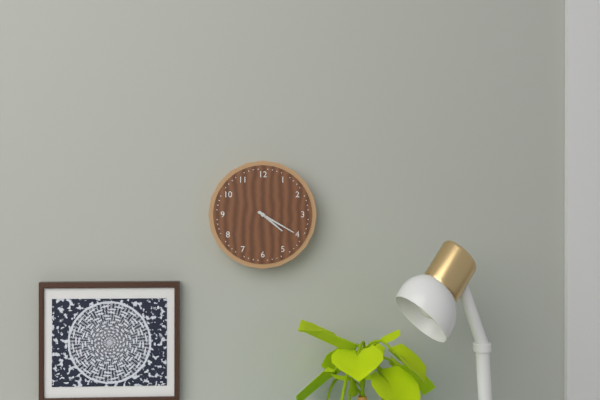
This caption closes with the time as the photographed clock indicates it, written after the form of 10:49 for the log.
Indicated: 4:20
